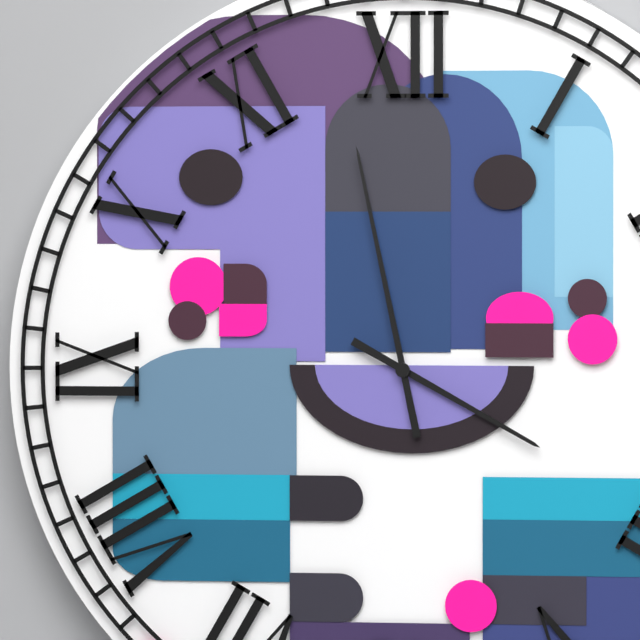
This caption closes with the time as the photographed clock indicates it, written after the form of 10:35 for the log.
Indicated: 3:58
